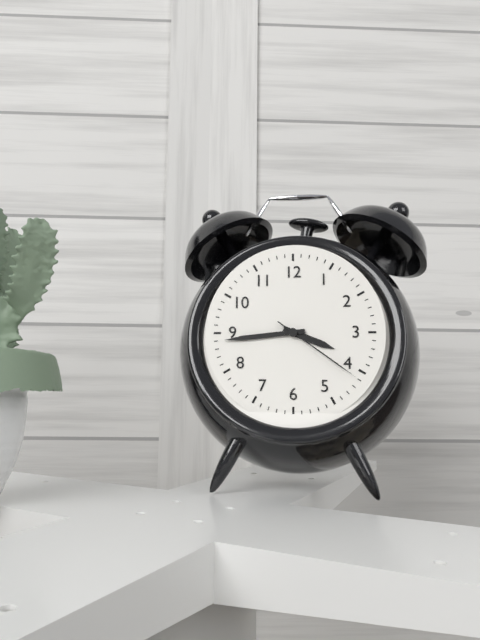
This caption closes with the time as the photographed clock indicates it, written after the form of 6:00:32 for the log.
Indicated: 3:44:21
